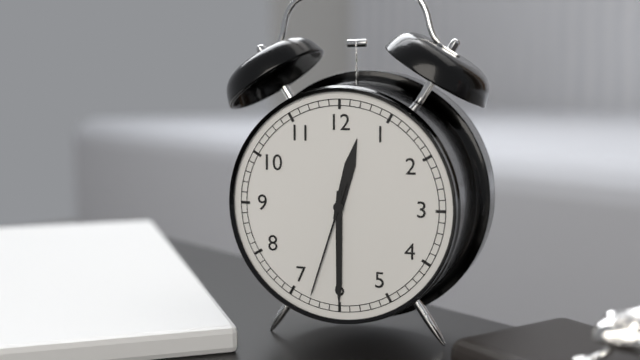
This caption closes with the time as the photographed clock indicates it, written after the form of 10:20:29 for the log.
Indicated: 12:30:33
